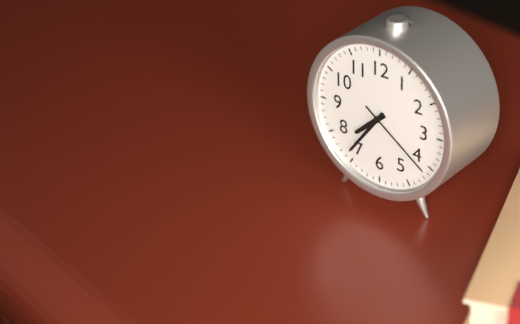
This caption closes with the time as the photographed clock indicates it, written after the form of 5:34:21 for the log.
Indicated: 7:36:21
